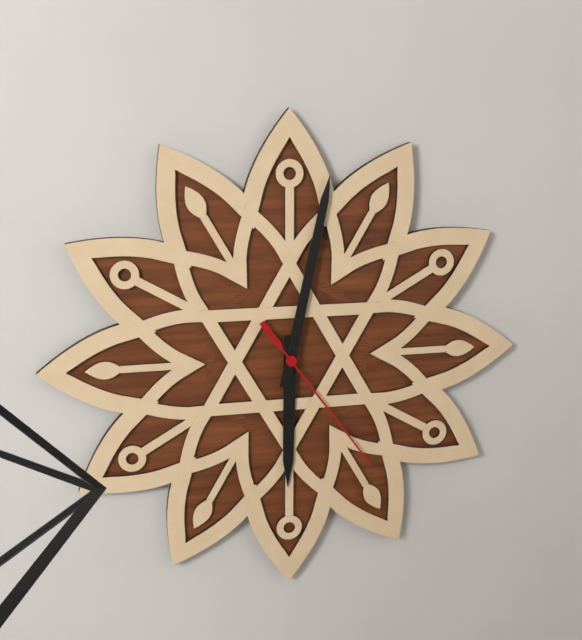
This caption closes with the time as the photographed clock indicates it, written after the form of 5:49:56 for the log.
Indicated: 6:02:24
